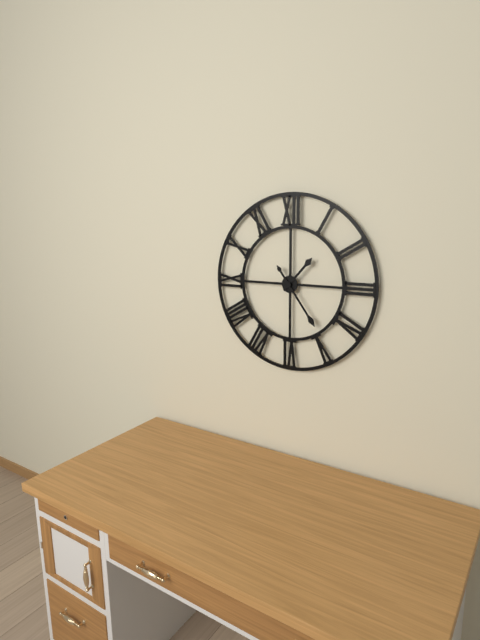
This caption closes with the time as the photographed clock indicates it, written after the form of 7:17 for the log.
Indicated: 1:24
